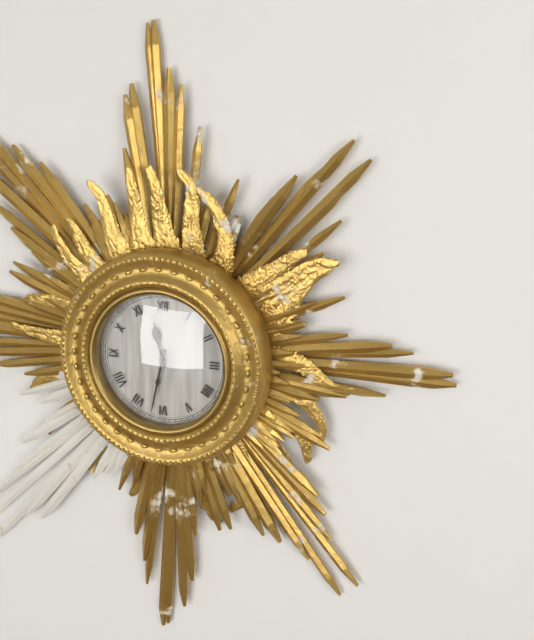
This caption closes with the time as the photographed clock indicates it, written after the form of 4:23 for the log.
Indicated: 11:32
